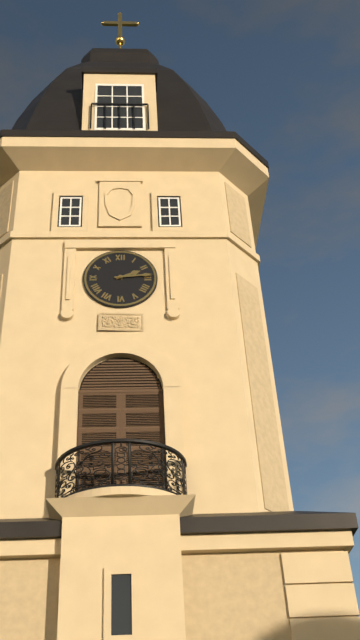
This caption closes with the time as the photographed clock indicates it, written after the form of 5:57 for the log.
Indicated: 2:14
